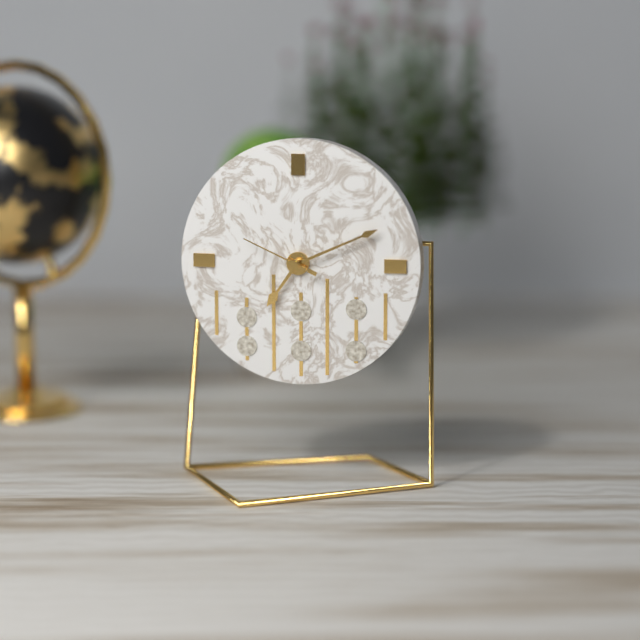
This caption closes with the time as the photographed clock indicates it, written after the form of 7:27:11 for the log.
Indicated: 7:11:49
